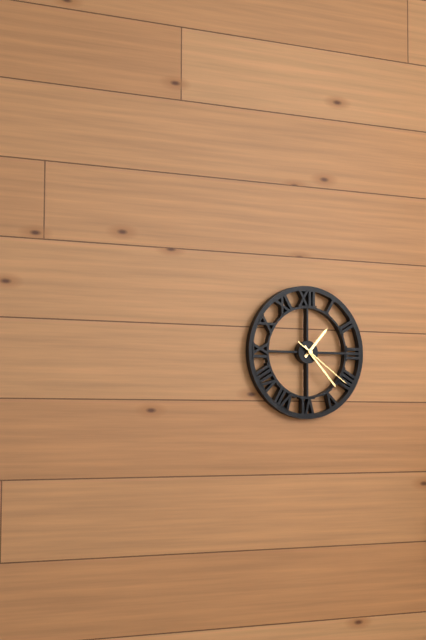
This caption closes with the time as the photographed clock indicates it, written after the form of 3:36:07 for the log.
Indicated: 1:23:21
